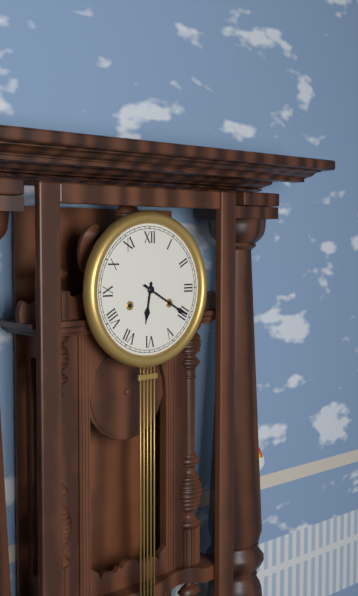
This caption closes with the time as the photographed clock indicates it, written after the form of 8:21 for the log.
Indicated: 6:20
